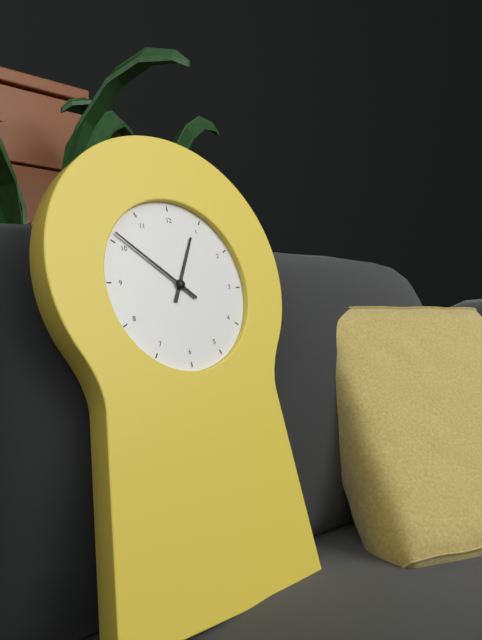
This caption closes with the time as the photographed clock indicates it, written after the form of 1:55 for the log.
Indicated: 12:51
